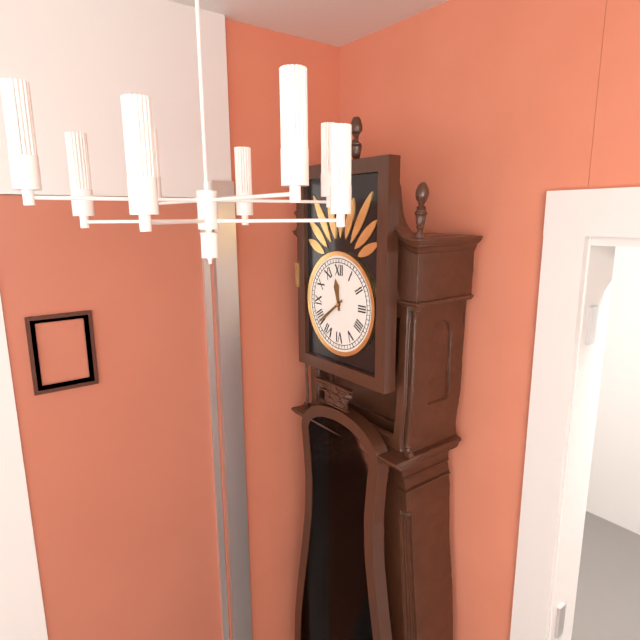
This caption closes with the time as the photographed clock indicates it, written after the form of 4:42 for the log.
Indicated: 11:39
